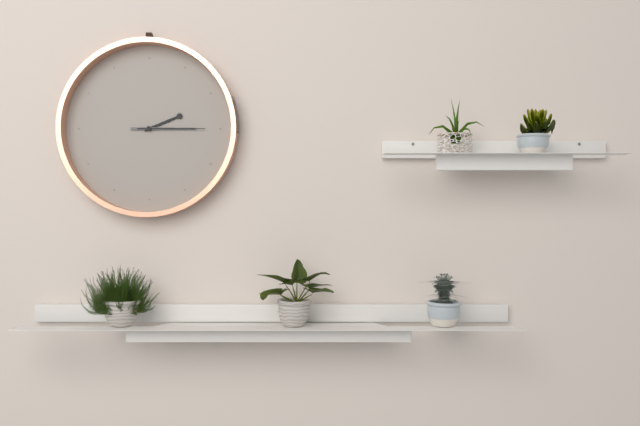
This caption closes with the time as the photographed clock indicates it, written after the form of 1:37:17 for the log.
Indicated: 2:15:15
